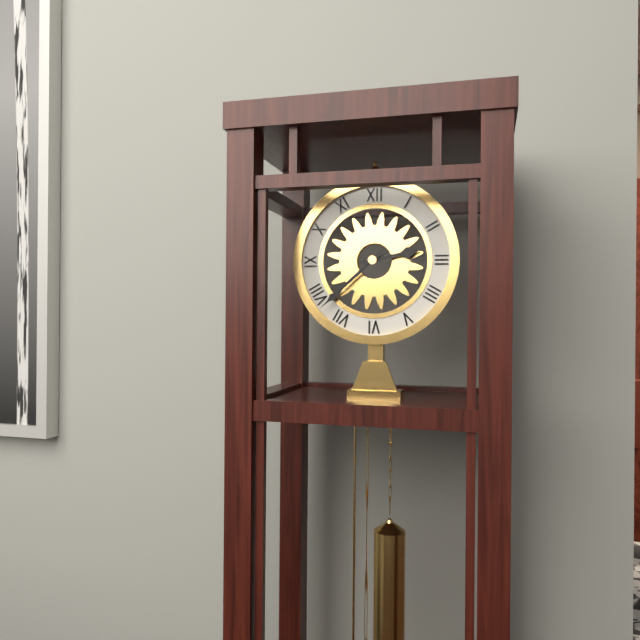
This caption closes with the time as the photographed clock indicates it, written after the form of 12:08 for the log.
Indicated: 2:38
